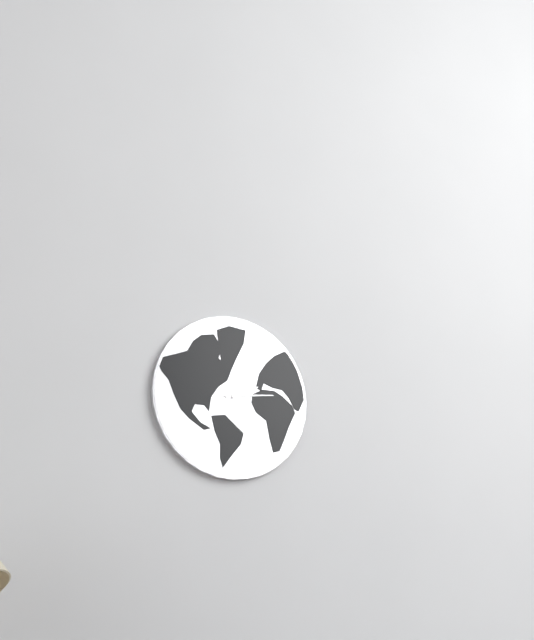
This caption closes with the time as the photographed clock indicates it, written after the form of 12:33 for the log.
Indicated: 2:14
